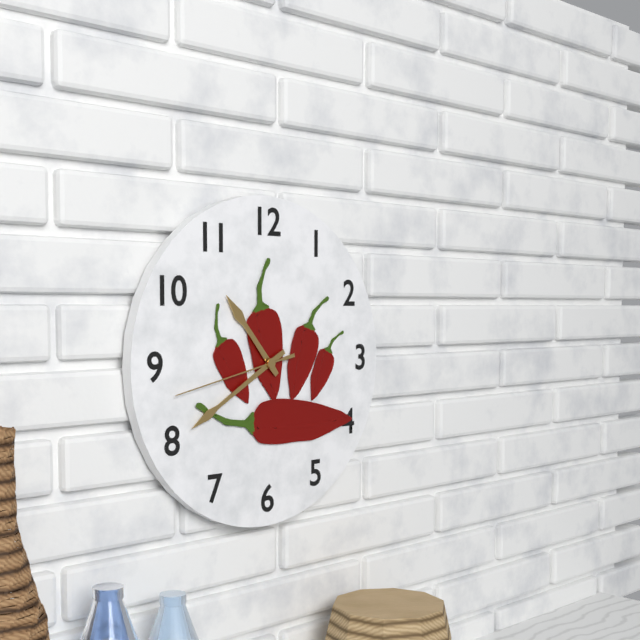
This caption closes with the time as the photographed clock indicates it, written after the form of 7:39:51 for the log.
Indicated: 10:40:43
